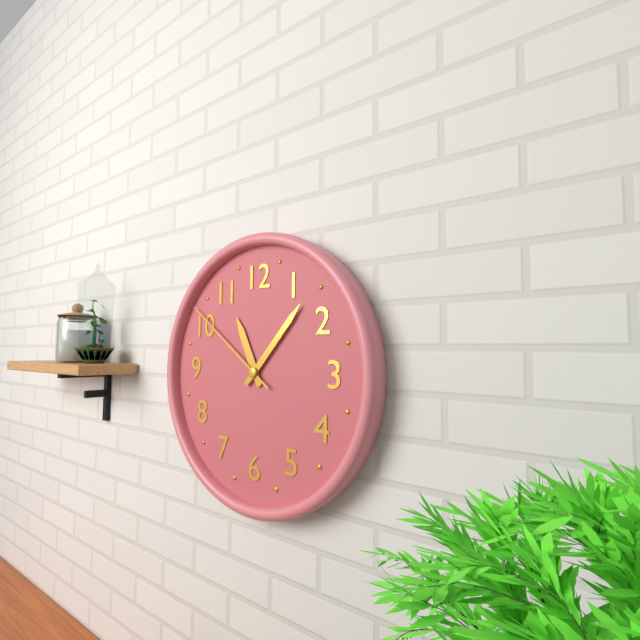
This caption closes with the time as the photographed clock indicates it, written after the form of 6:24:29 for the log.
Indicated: 11:07:51
